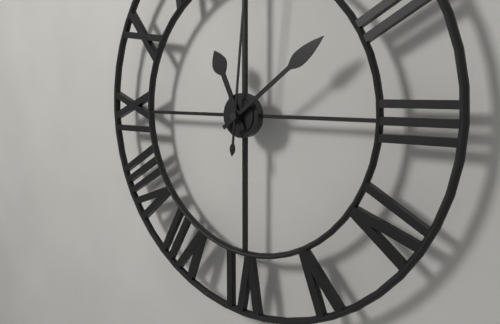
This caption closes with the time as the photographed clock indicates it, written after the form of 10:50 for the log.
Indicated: 11:09
